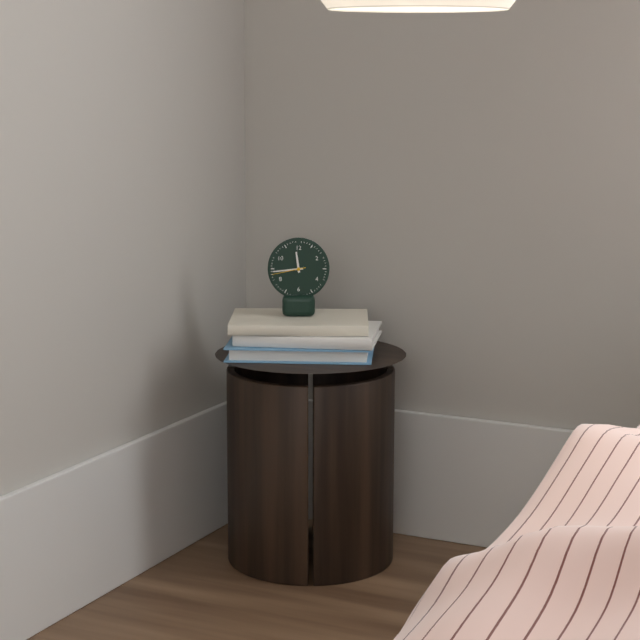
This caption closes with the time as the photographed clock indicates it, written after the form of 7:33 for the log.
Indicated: 11:44
